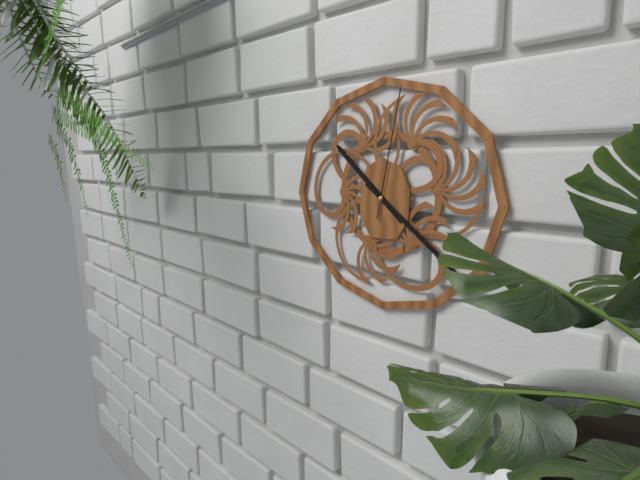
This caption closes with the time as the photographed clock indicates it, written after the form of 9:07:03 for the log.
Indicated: 10:21:02
